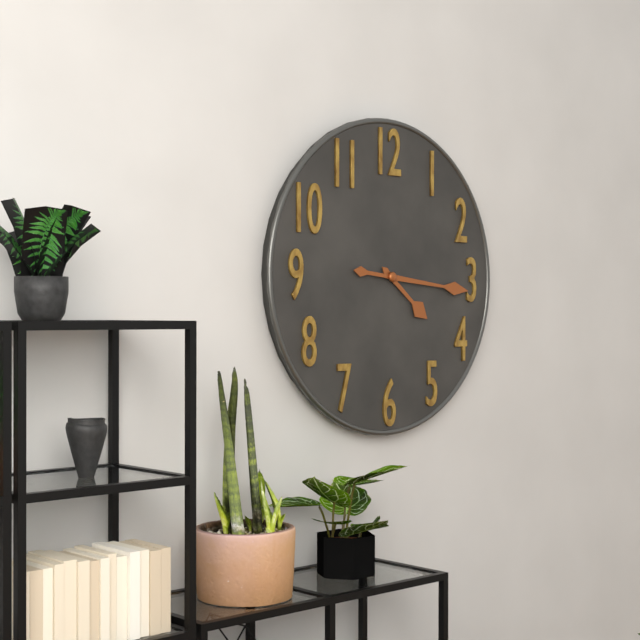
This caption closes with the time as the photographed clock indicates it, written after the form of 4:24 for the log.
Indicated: 4:16
